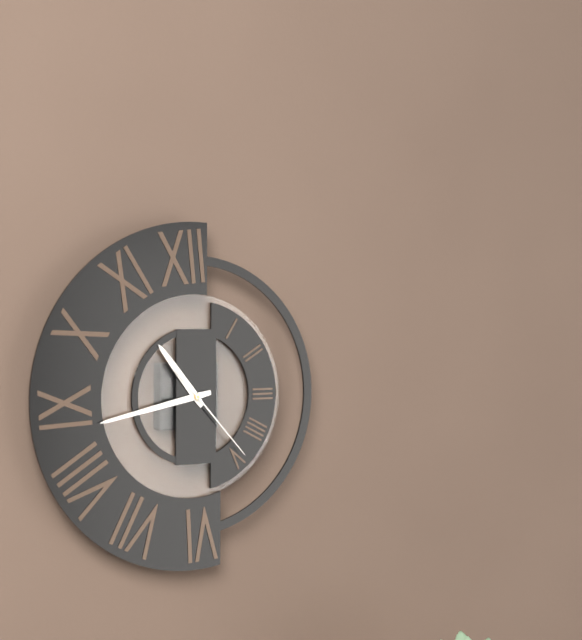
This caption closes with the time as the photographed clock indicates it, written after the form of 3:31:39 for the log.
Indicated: 10:43:23
